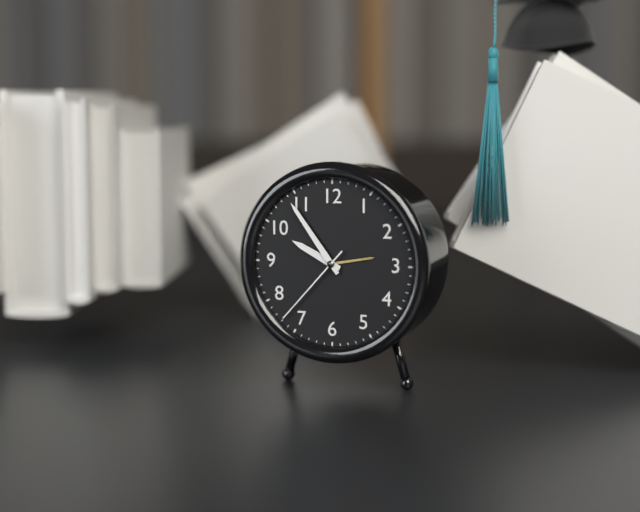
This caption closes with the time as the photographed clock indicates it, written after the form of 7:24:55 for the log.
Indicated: 9:54:37
